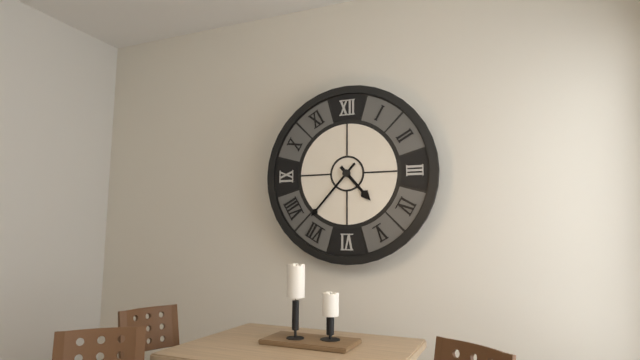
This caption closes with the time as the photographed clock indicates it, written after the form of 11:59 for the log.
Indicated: 4:37
